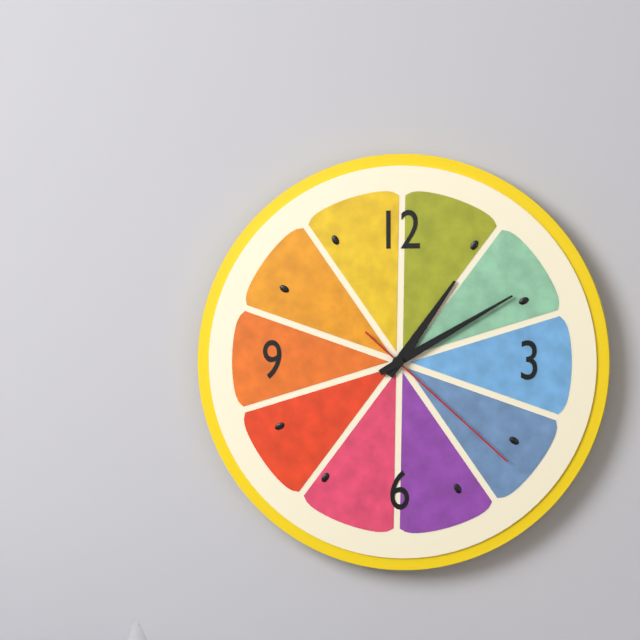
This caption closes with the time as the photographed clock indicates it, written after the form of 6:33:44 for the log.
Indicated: 1:10:22
